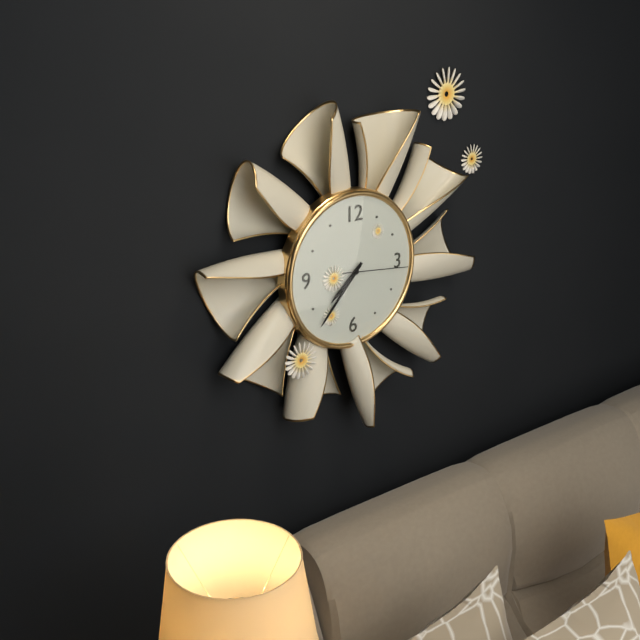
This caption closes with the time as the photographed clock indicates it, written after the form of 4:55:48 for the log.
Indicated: 7:37:16
